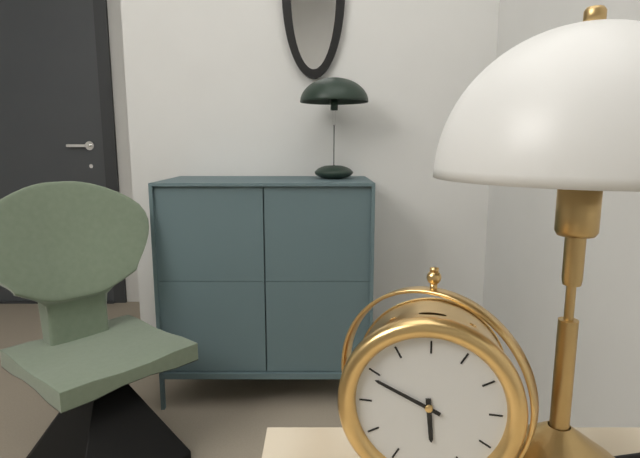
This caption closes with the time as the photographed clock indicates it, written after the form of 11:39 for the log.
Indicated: 5:49
